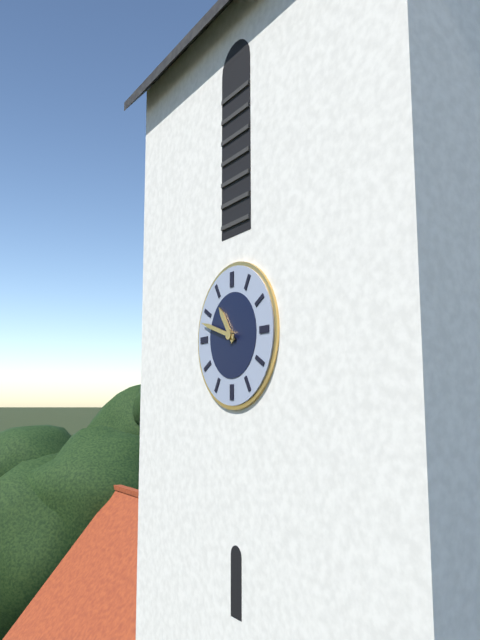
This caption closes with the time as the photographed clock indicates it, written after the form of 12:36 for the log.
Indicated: 10:48
